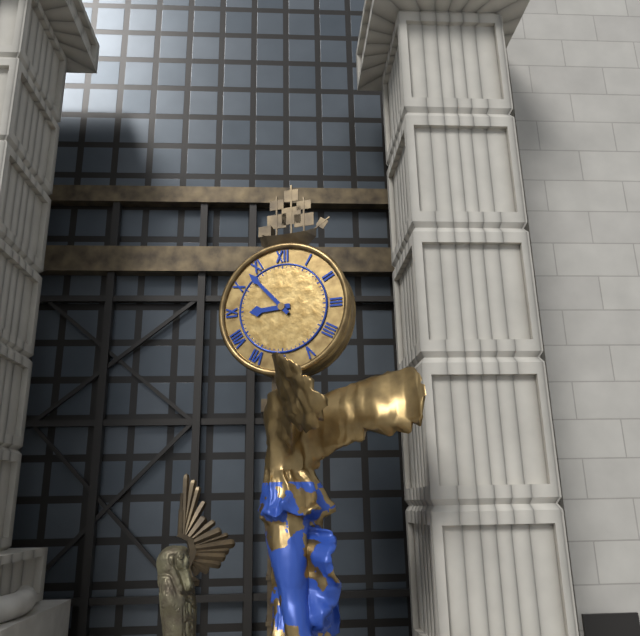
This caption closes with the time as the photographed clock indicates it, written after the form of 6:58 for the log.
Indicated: 8:53
